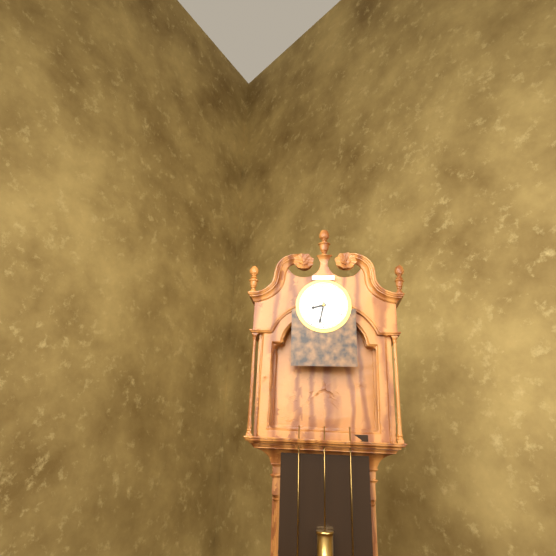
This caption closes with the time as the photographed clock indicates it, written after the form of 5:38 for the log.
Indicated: 8:32
